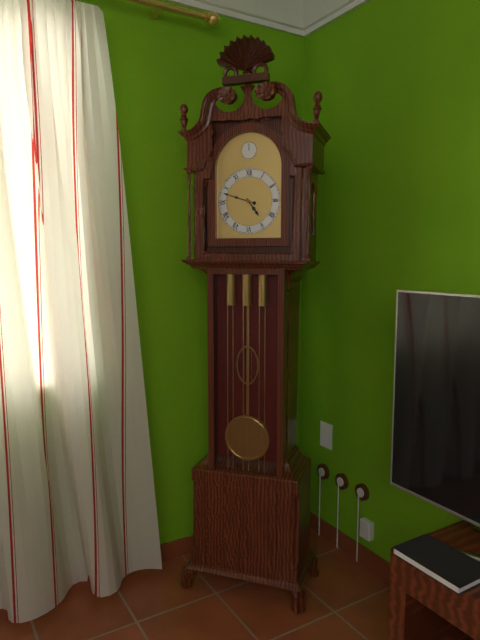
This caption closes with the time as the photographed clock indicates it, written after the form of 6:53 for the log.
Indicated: 4:48
